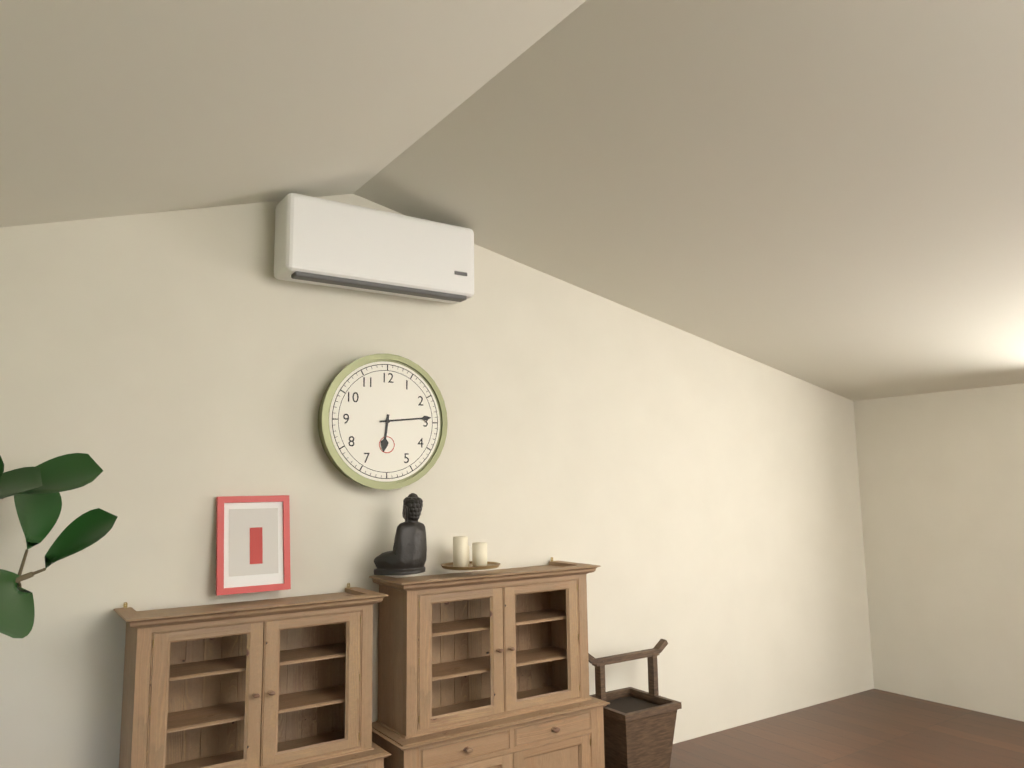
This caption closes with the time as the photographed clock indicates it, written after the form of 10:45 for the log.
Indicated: 6:14
